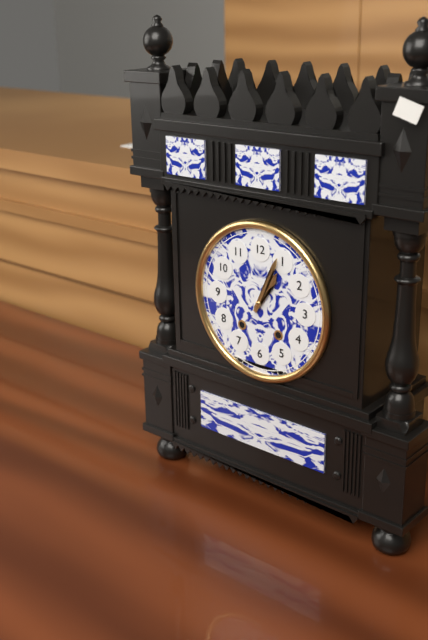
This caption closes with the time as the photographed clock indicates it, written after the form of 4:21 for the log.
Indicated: 1:04
